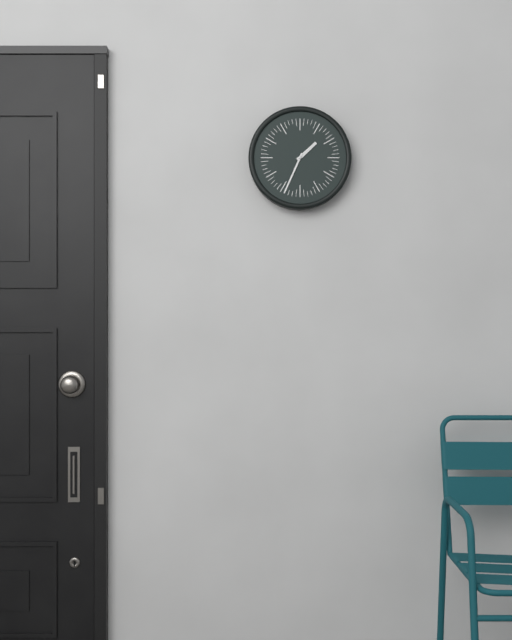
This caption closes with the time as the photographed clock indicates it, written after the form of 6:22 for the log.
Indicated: 1:34
